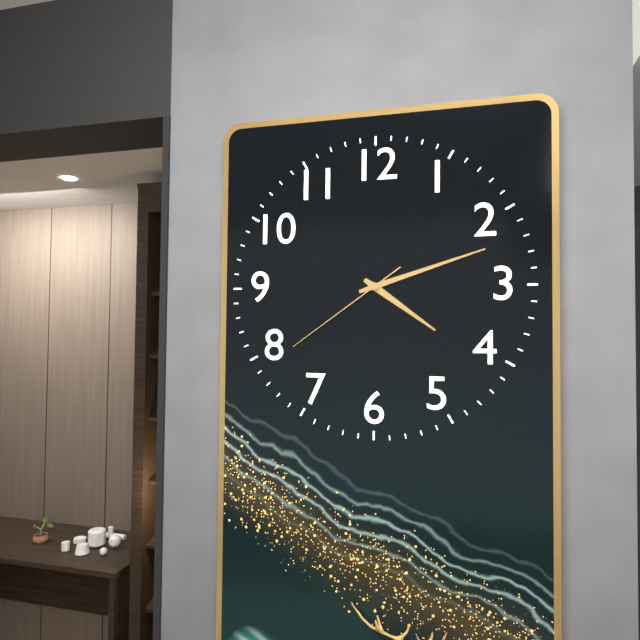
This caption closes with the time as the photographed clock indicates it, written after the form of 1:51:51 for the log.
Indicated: 4:12:39
